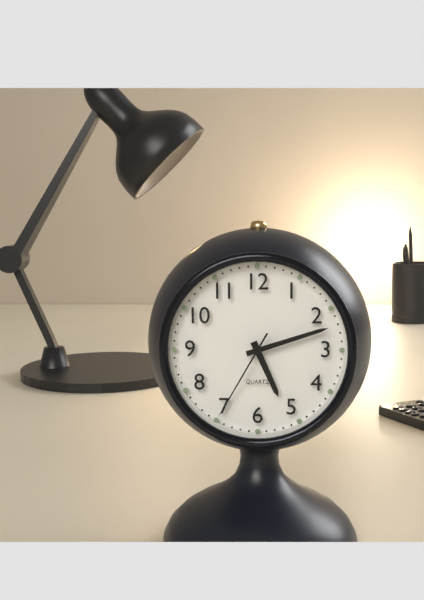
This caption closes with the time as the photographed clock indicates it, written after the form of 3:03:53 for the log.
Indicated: 5:12:35
